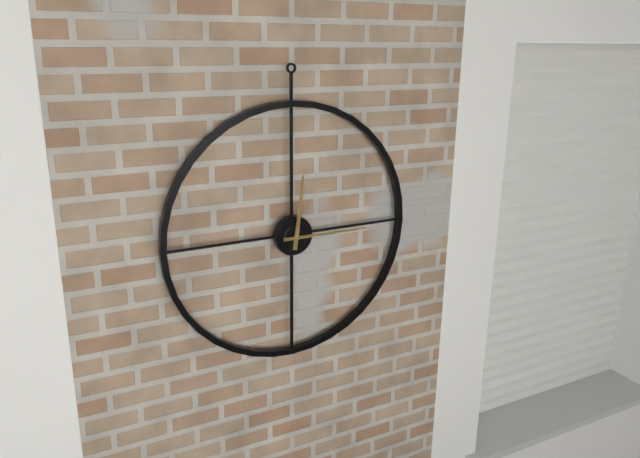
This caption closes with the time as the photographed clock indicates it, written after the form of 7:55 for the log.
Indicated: 12:15
